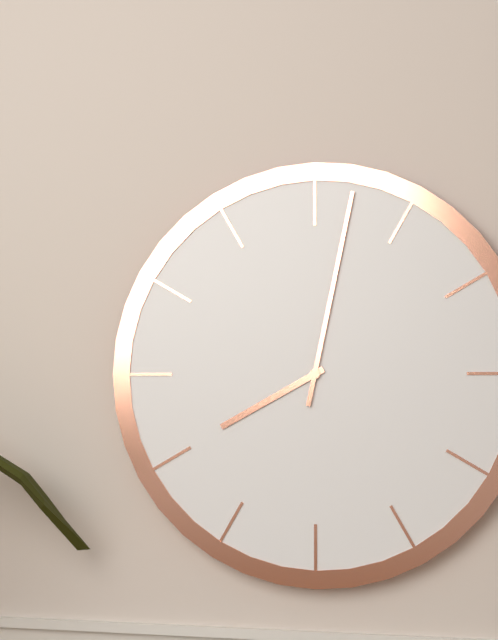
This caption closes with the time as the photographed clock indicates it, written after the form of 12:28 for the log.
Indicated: 8:02
